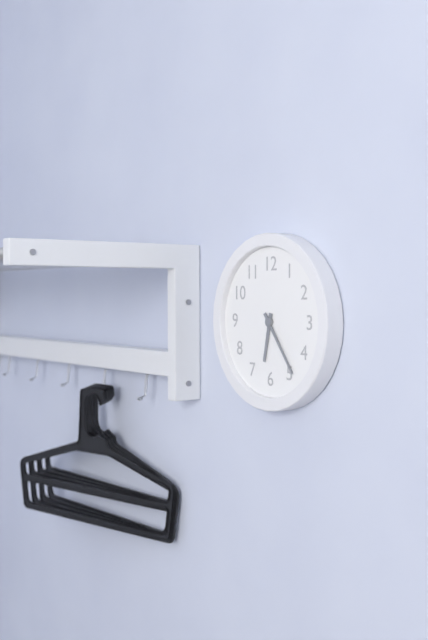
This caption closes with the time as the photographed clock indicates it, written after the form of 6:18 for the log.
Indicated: 6:24
